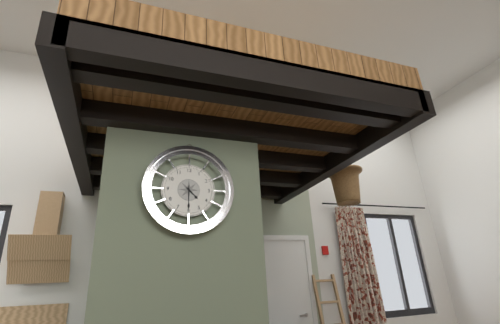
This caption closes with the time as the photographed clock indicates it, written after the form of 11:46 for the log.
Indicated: 4:30
